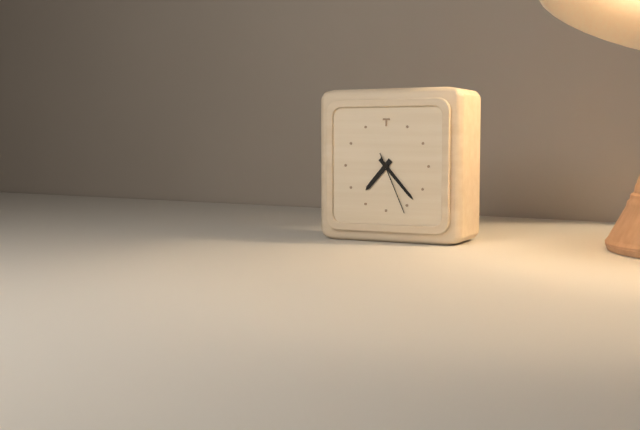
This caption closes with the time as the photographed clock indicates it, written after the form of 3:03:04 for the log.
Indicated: 7:23:26
